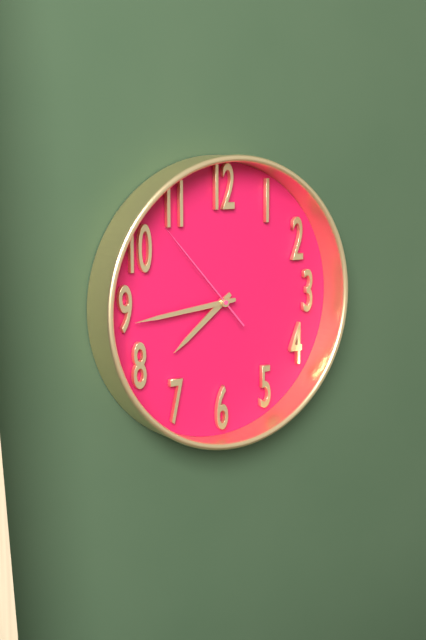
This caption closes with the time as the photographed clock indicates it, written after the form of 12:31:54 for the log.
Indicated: 7:44:53
